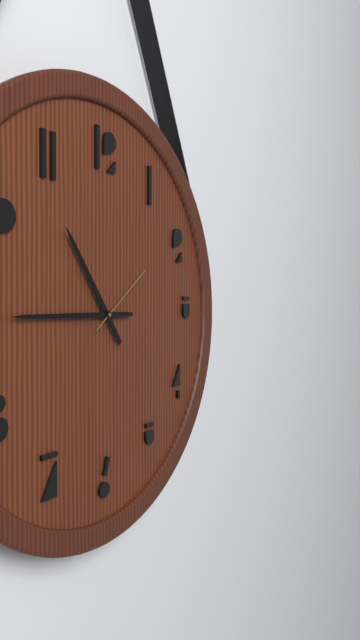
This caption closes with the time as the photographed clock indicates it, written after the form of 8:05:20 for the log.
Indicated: 10:45:09
